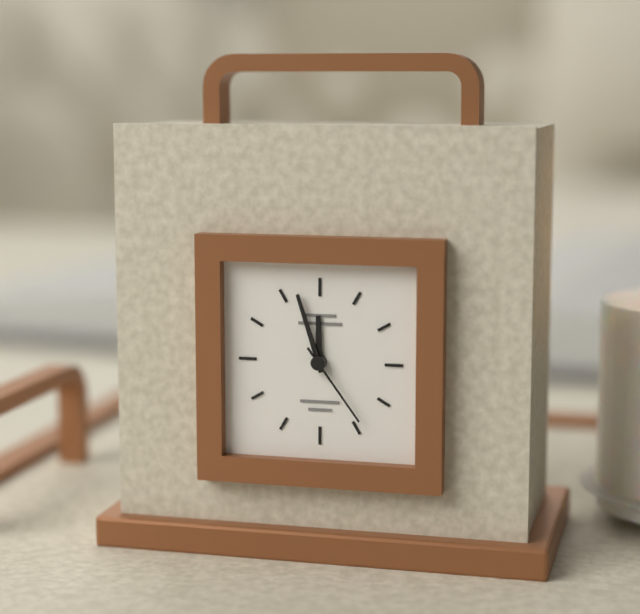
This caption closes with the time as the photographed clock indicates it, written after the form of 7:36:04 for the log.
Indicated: 11:57:24
